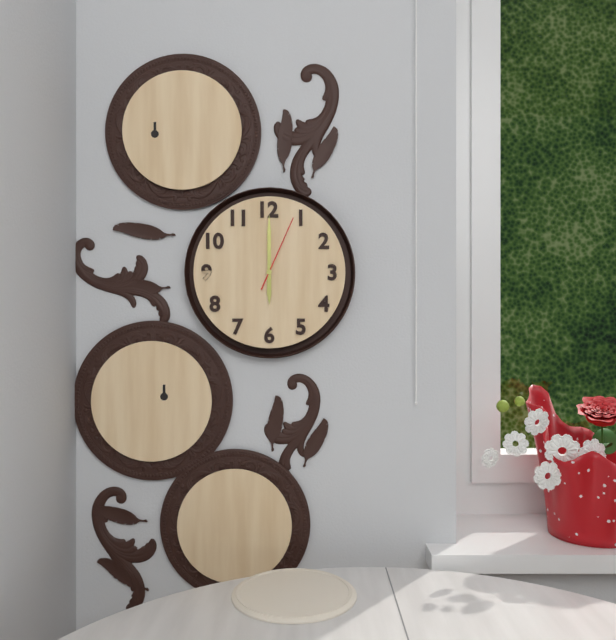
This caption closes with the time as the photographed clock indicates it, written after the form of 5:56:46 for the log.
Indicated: 6:00:04
